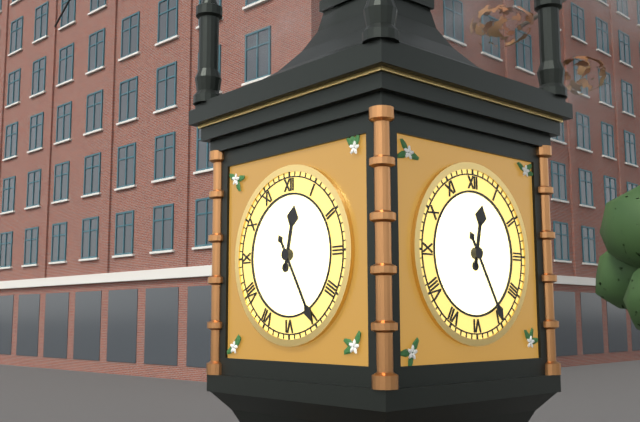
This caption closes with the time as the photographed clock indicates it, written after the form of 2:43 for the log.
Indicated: 12:25
